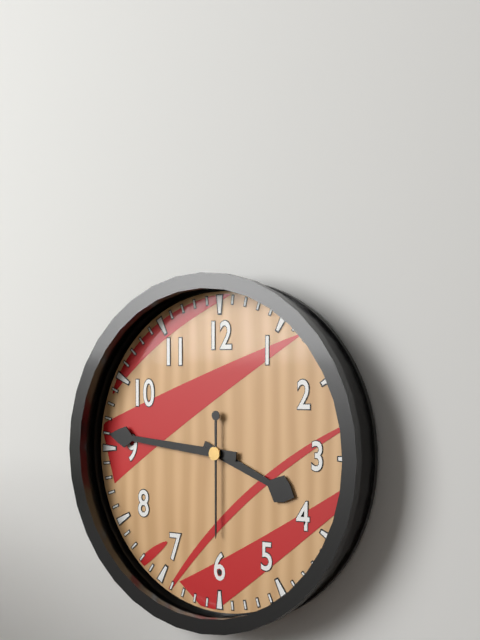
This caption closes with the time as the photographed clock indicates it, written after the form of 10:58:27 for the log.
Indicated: 3:46:30
